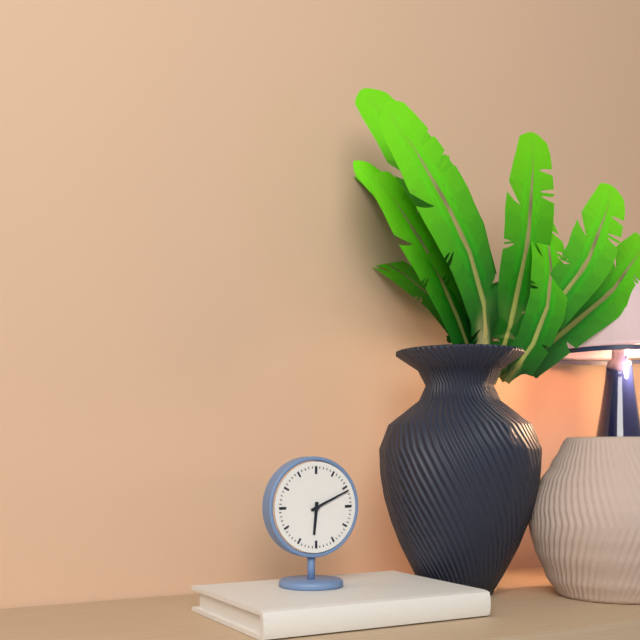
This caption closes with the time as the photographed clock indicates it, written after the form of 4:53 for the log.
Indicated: 6:11
